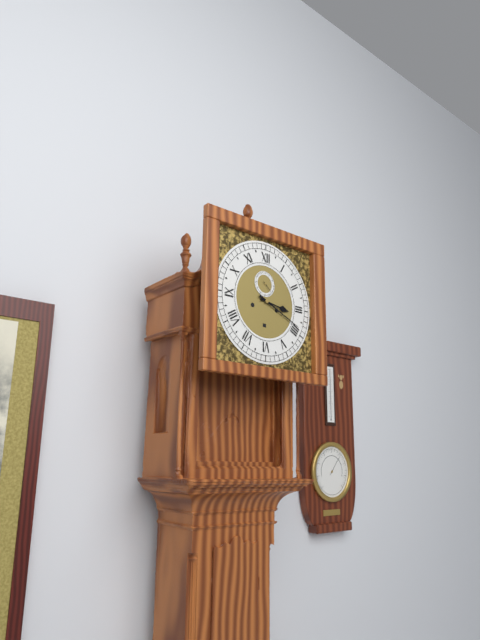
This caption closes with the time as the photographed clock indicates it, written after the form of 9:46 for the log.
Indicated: 3:19
